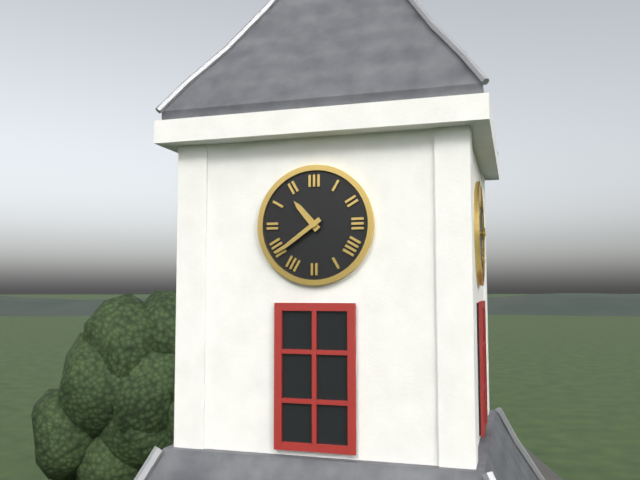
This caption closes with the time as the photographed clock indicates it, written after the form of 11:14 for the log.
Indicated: 10:39
